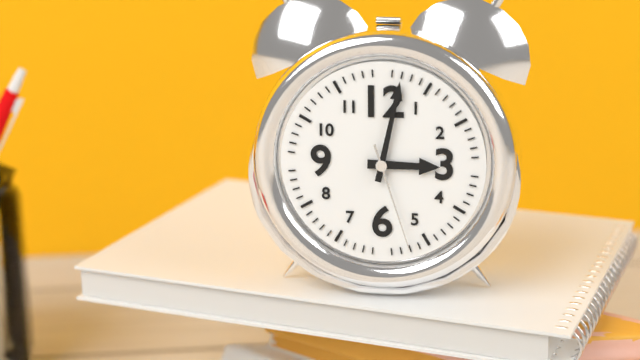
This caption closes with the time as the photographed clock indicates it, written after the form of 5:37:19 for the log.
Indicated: 3:02:27
